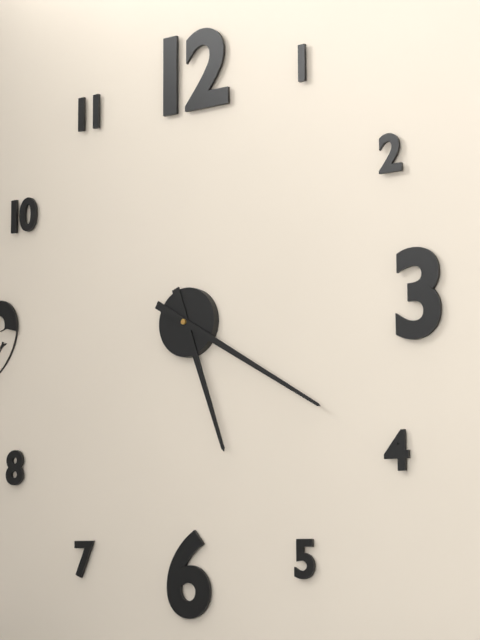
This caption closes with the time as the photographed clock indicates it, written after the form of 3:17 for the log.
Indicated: 5:20
